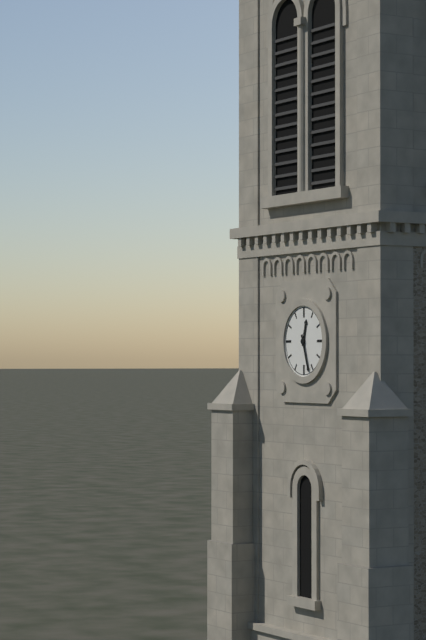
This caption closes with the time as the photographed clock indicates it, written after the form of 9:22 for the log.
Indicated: 12:27
